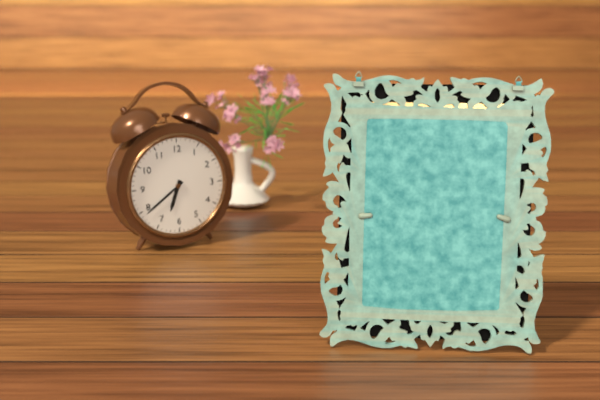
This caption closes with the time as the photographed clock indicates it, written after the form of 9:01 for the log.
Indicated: 6:39
